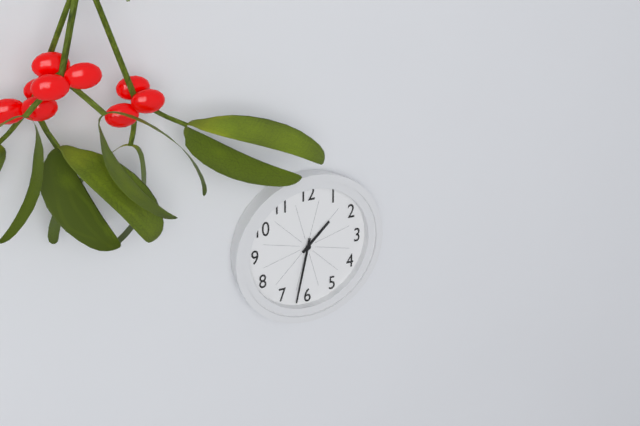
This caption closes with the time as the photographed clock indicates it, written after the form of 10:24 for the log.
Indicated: 1:32
